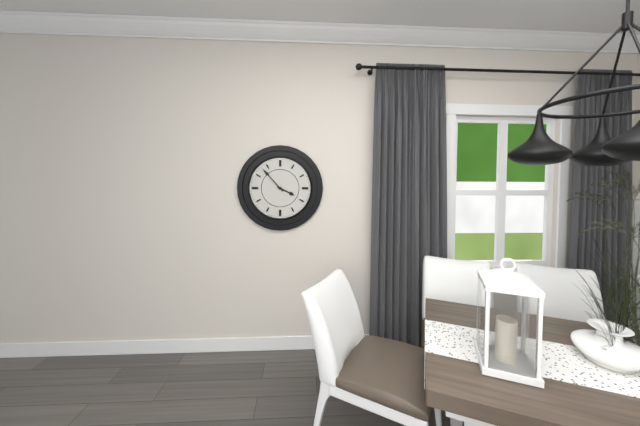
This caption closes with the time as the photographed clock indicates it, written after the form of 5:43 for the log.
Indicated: 3:53
